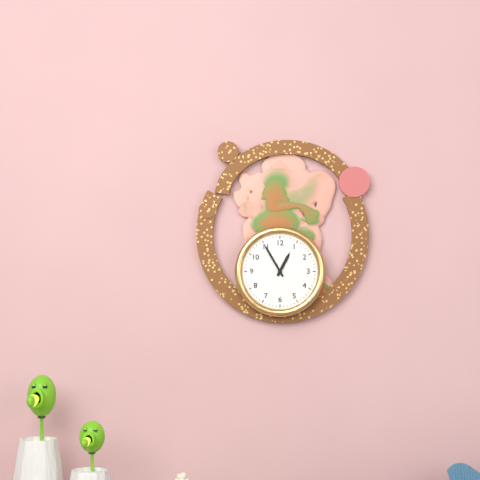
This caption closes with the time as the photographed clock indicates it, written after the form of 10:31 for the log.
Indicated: 12:55
